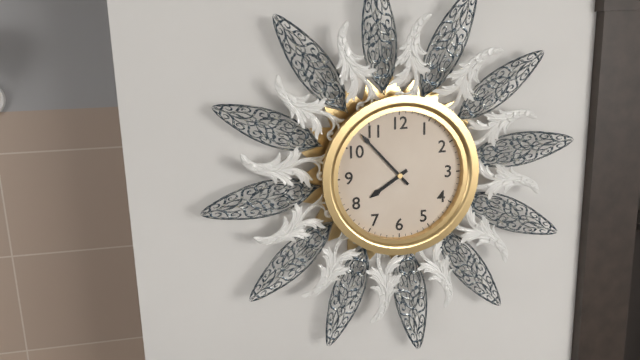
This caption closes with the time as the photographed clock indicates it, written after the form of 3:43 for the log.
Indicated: 7:53
